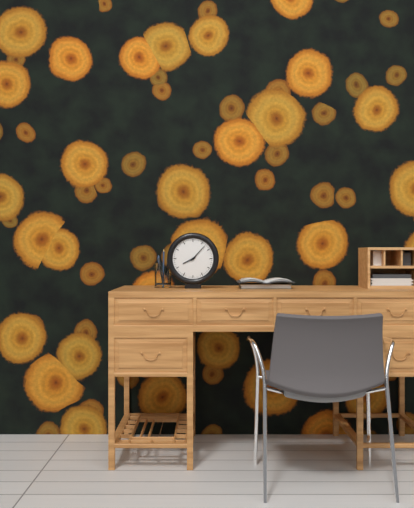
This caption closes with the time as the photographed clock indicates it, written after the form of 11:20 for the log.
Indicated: 8:07
